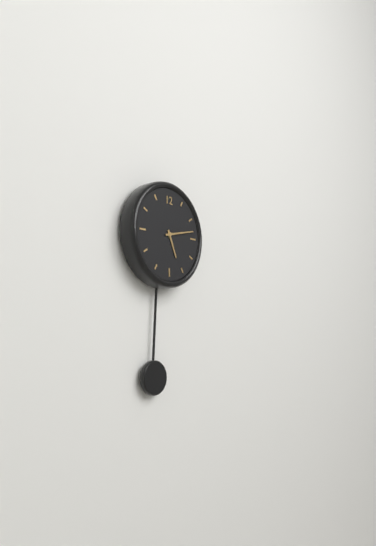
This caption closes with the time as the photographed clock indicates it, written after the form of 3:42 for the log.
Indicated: 5:13
